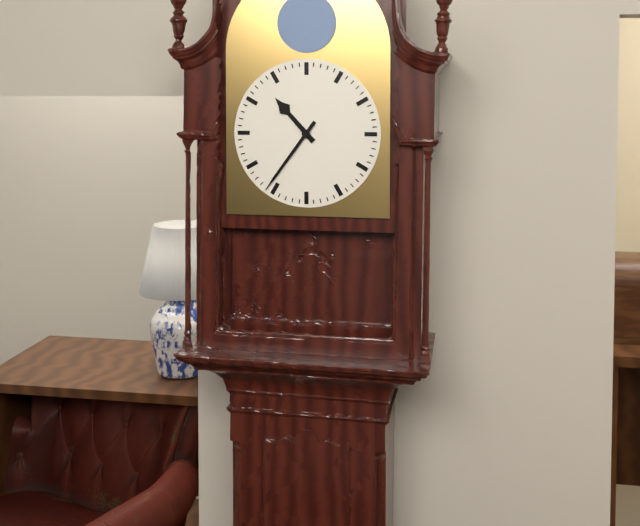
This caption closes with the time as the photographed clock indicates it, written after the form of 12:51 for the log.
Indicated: 10:36
